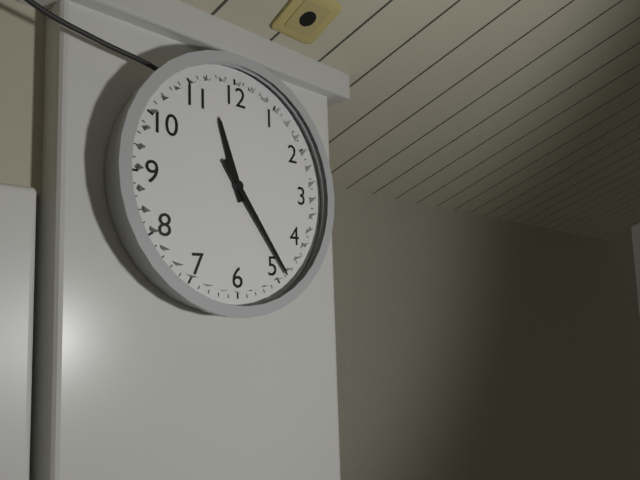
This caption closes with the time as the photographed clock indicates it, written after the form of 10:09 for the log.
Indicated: 11:24
